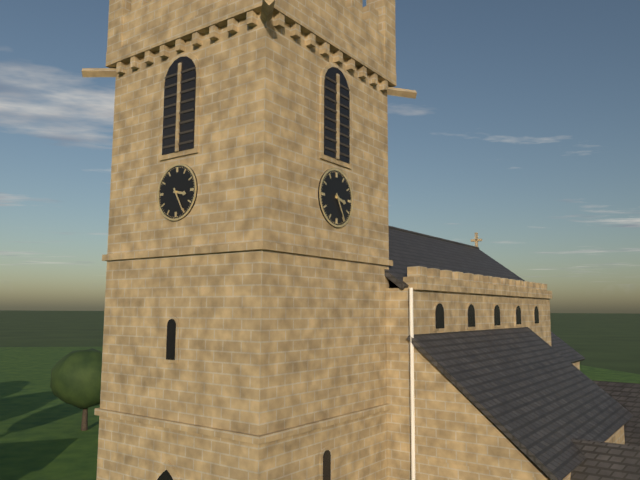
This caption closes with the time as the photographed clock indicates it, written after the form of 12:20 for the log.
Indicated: 3:25
